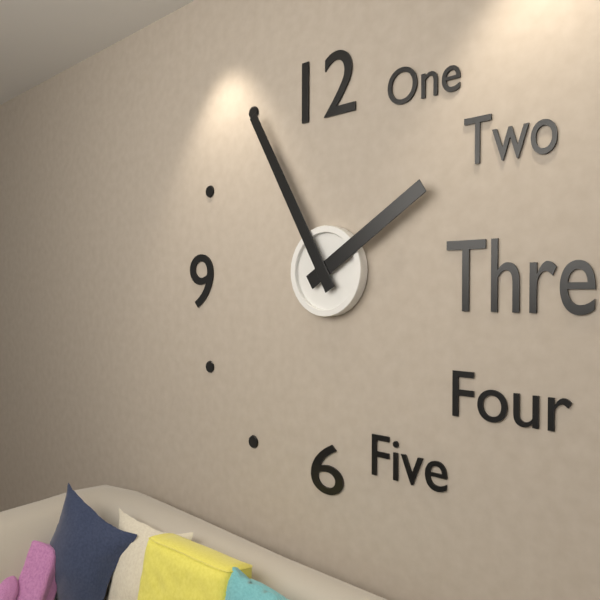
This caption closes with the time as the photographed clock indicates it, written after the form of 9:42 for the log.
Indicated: 1:55
